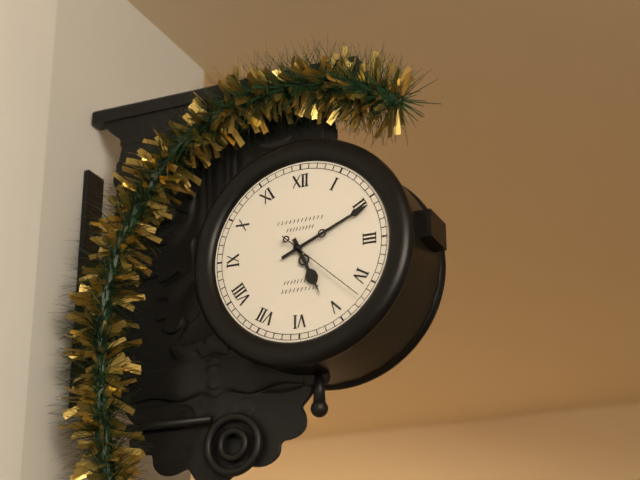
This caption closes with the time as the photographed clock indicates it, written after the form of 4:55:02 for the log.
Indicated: 5:11:22
